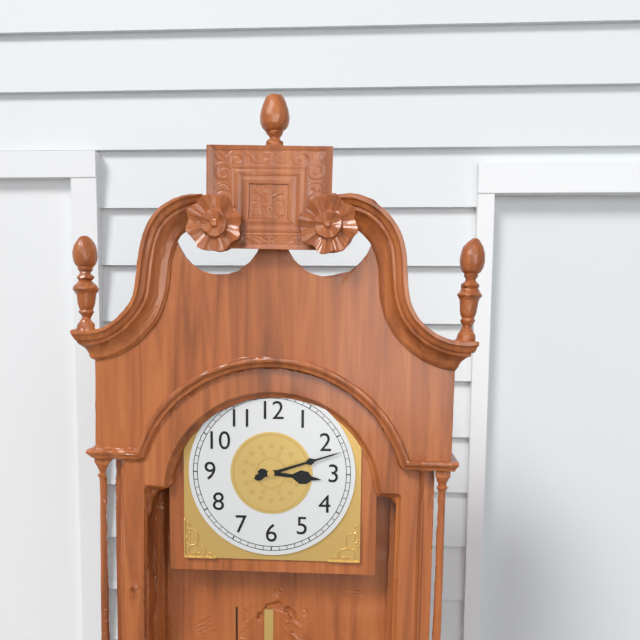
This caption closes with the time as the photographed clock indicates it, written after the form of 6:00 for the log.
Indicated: 3:12
